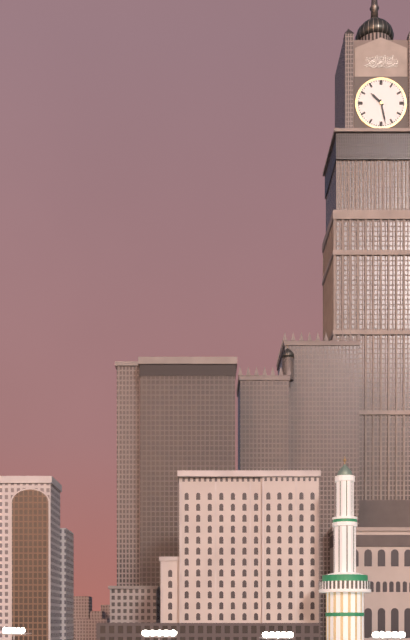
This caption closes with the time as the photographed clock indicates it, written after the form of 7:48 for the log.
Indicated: 10:28
